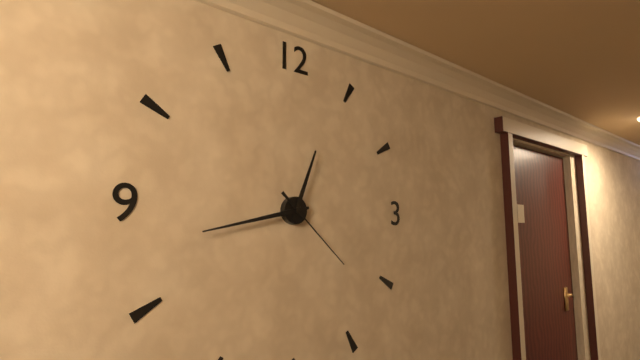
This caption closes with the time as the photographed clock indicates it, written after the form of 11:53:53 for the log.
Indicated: 12:43:22
